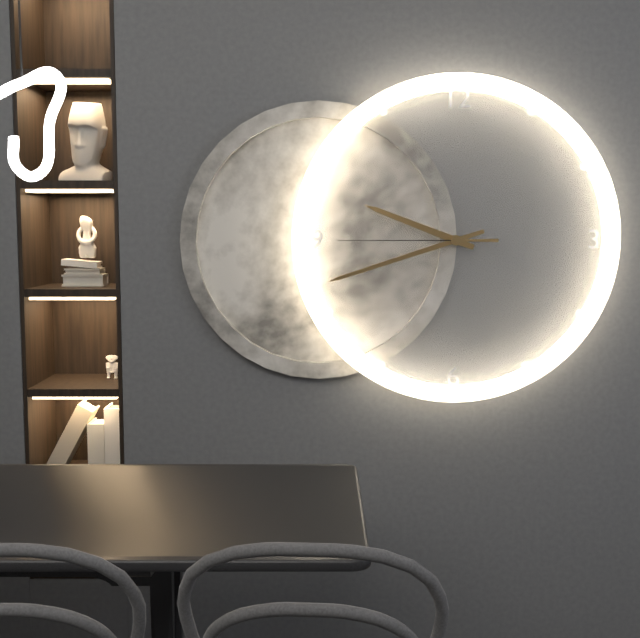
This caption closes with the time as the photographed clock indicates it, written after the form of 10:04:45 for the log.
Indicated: 9:42:45
